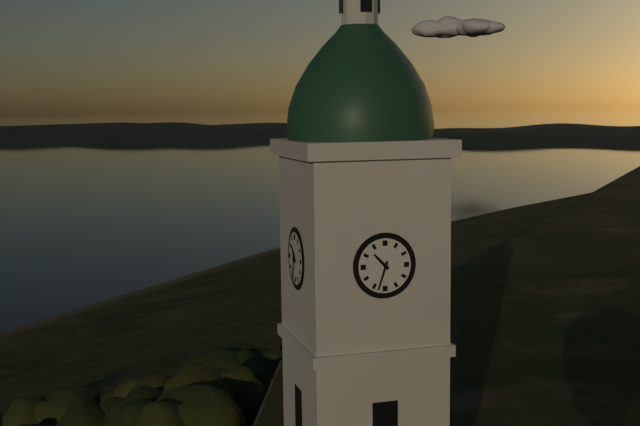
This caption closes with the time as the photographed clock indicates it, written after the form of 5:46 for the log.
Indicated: 10:33
